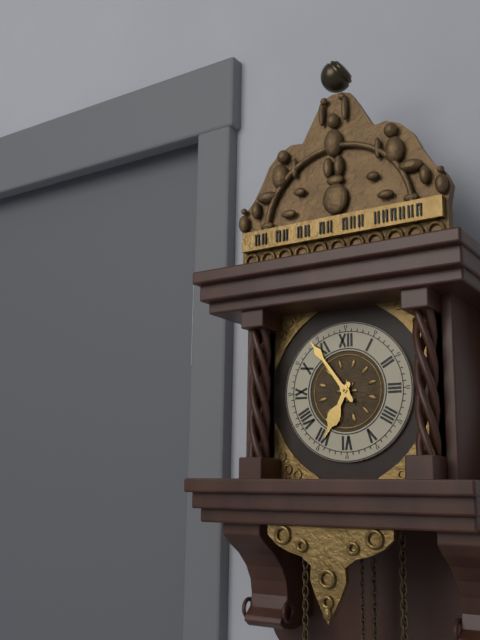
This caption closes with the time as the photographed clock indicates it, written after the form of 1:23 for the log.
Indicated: 6:54
